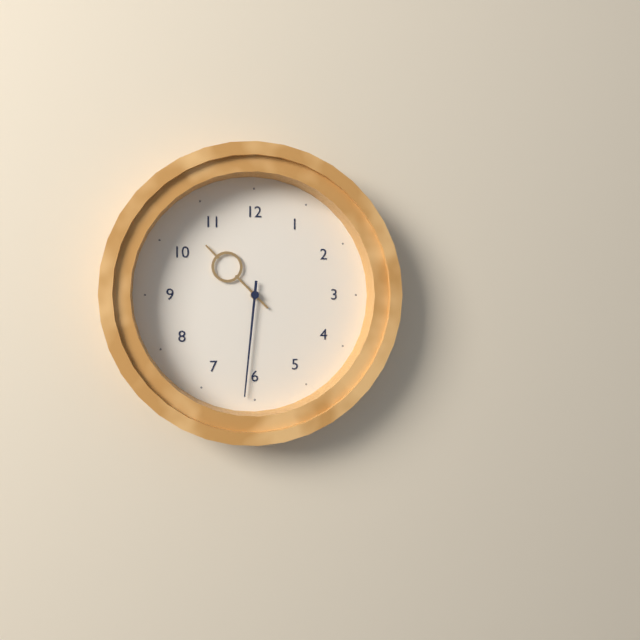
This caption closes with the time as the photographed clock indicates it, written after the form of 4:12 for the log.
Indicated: 10:31
